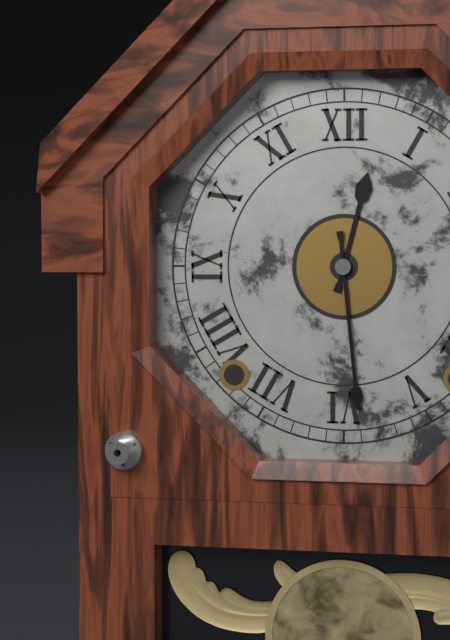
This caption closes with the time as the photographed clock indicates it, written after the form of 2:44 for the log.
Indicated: 12:29
